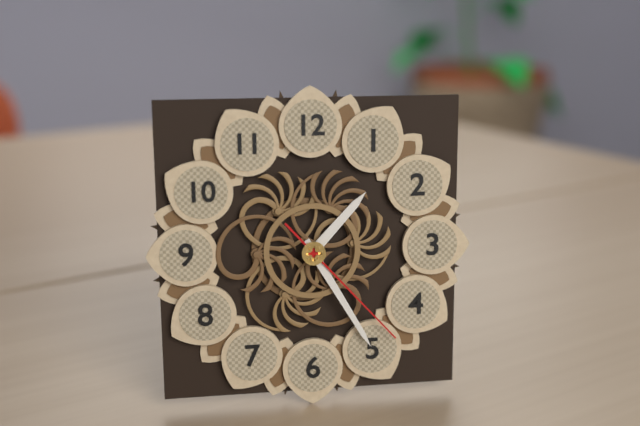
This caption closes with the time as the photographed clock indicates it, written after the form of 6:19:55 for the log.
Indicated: 1:25:23
